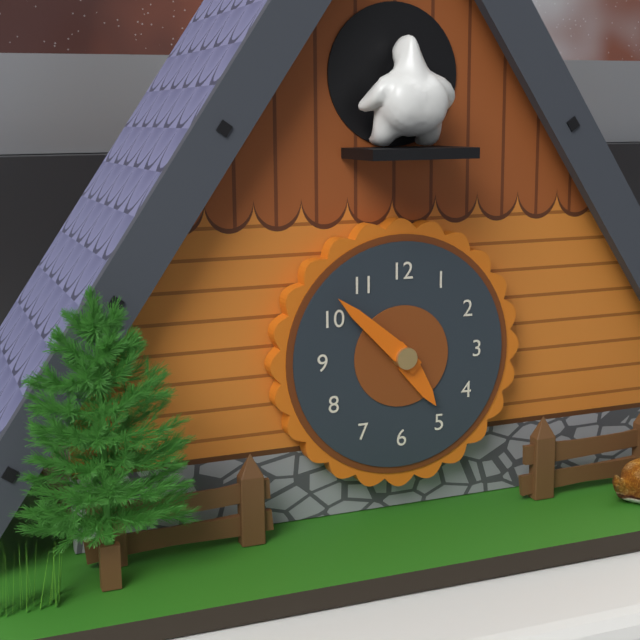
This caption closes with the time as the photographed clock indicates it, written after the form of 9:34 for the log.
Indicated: 4:52
